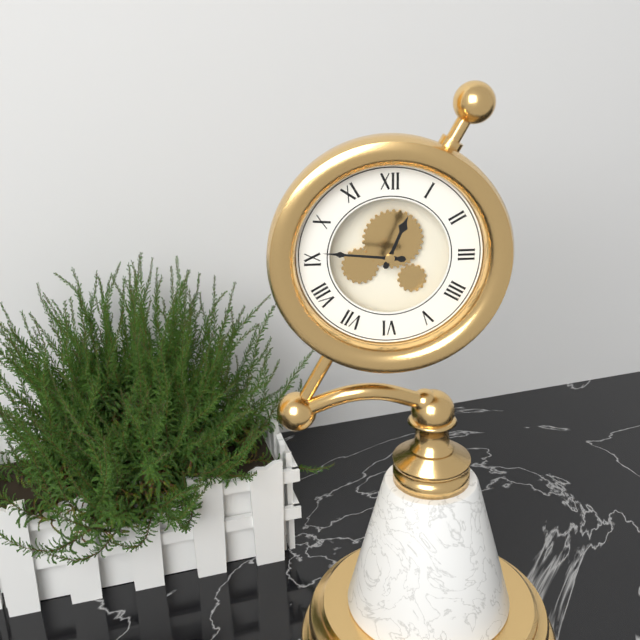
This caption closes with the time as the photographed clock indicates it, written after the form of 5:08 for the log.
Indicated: 12:46
